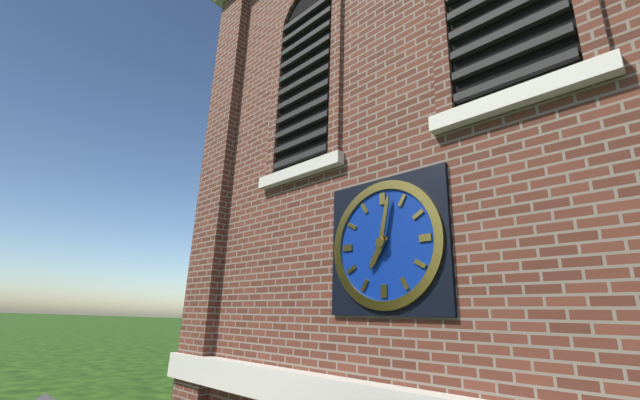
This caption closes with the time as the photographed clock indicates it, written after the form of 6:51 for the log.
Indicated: 7:02
